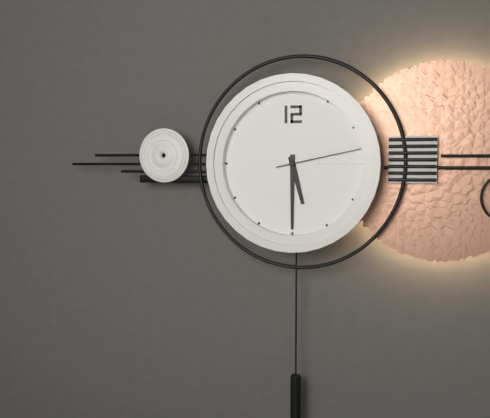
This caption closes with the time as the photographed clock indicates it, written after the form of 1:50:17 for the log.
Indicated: 5:30:13
